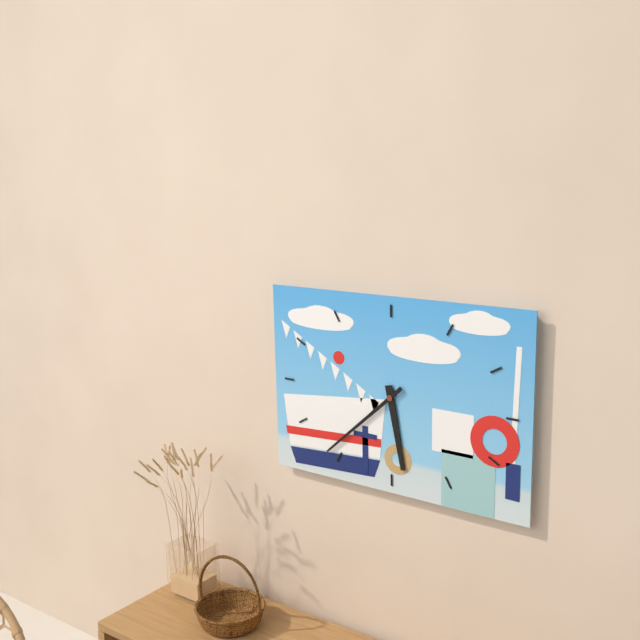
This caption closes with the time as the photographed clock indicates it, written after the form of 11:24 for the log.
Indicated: 5:38
